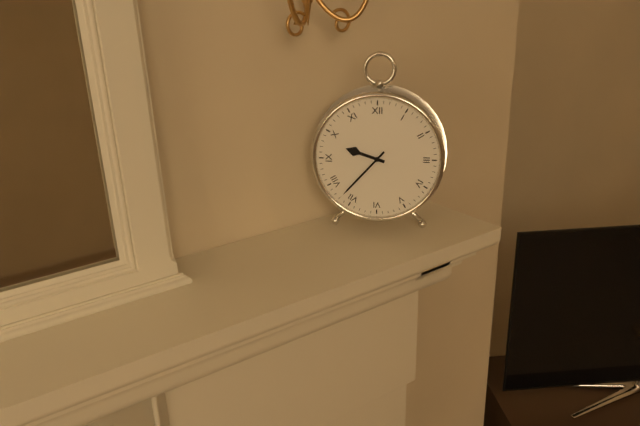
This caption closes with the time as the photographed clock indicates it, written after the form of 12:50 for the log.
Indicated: 9:37
